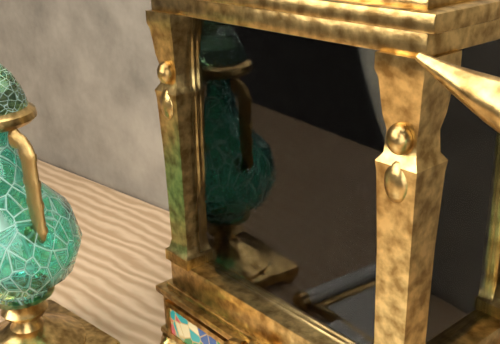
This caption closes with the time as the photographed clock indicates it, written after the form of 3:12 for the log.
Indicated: 1:53
